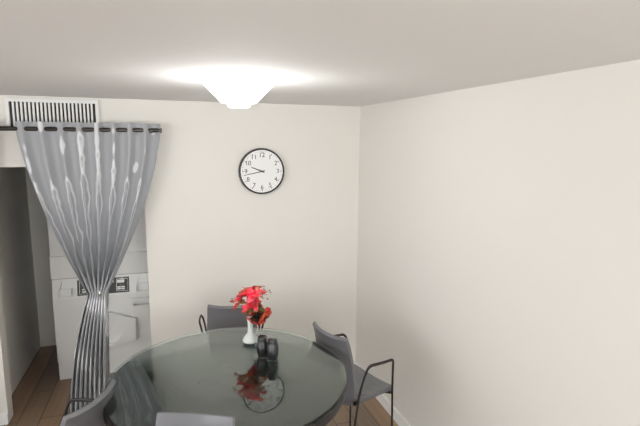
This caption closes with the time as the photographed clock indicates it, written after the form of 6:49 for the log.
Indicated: 9:43
